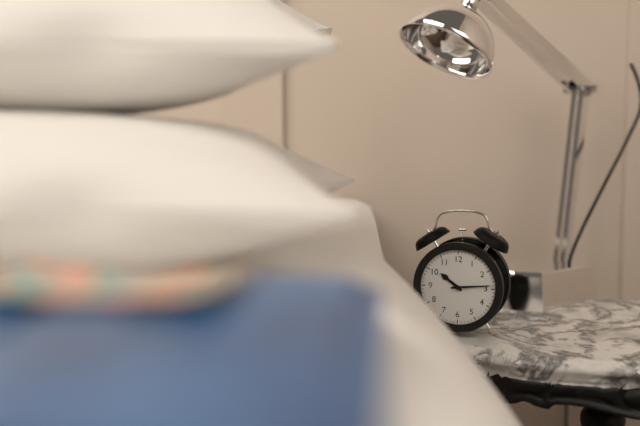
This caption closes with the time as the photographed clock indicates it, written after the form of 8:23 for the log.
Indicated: 10:14
